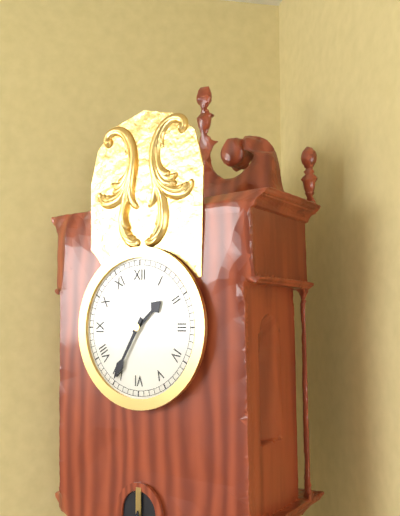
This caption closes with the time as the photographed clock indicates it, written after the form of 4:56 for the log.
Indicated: 1:35
